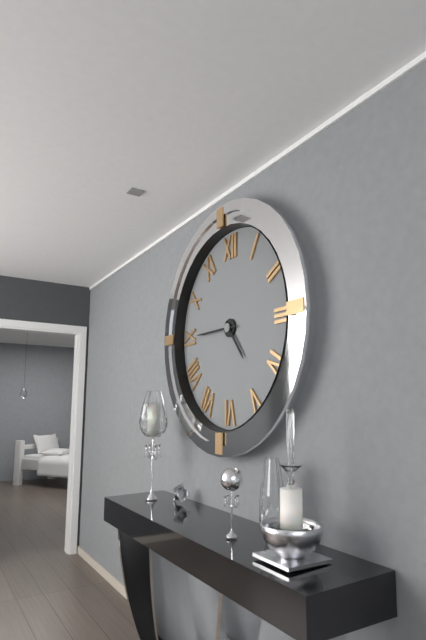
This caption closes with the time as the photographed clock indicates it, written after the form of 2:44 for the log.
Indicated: 4:45
